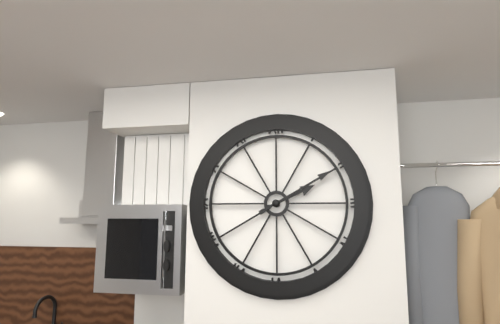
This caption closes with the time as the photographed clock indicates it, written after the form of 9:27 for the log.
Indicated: 2:10
